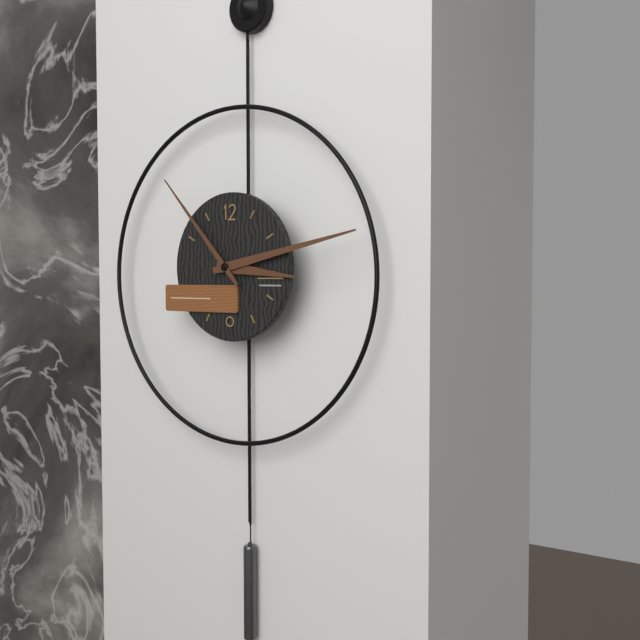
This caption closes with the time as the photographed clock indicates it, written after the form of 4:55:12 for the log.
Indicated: 3:13:53
